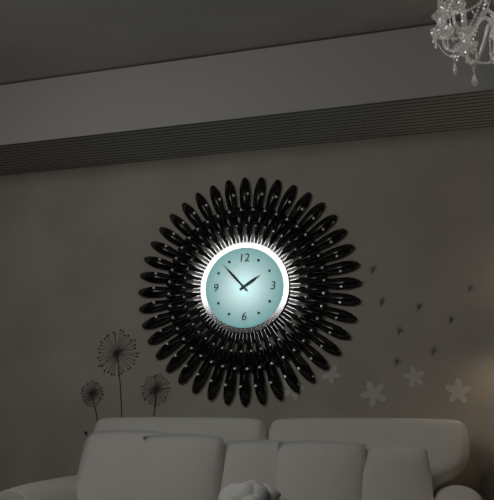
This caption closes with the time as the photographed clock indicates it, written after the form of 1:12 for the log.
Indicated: 1:53
